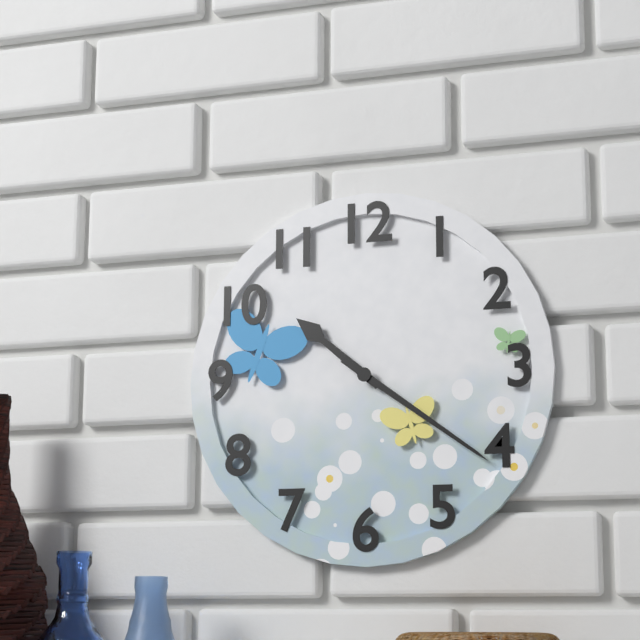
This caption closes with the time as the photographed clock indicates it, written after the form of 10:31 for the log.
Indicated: 10:21
